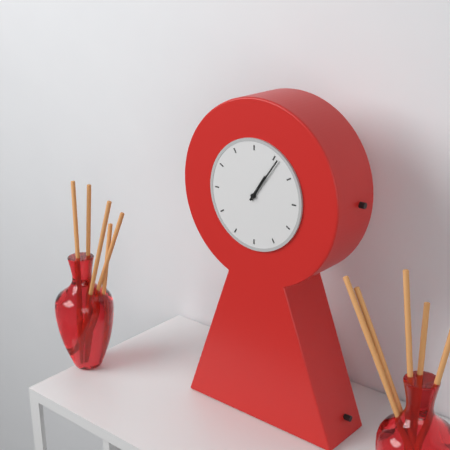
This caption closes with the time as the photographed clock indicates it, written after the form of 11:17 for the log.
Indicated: 1:06
